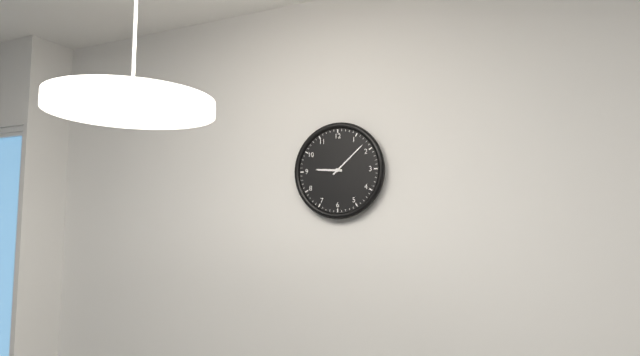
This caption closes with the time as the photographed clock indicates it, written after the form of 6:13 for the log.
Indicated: 9:08
